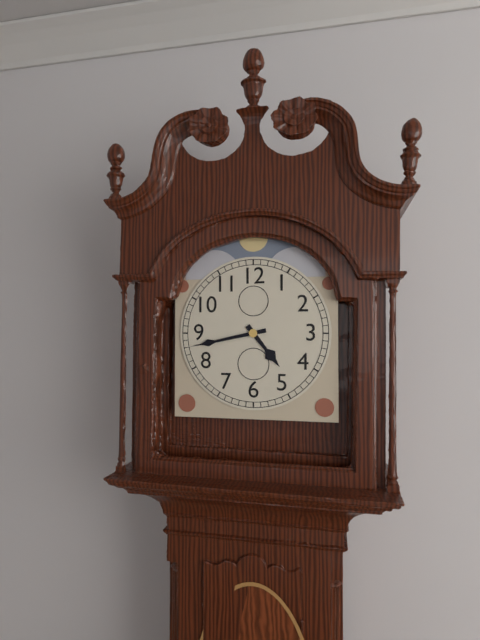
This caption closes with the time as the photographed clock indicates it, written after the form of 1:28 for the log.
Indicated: 4:43
